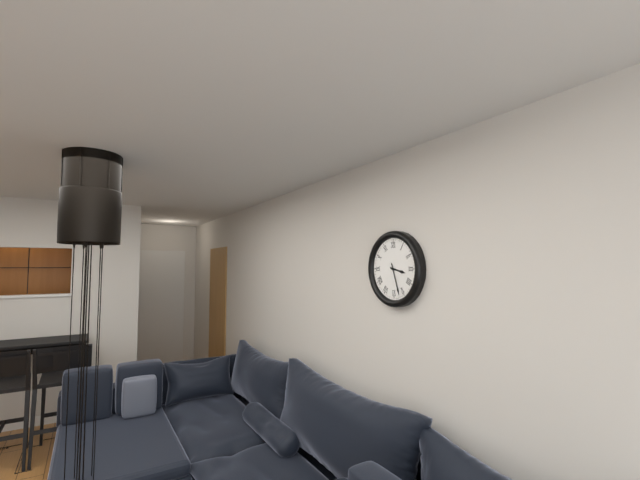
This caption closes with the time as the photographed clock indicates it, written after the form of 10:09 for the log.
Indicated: 3:27
